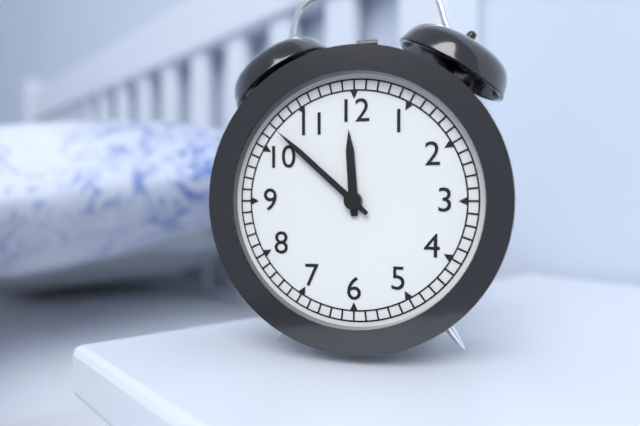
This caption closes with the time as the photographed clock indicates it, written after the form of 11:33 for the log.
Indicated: 11:52
